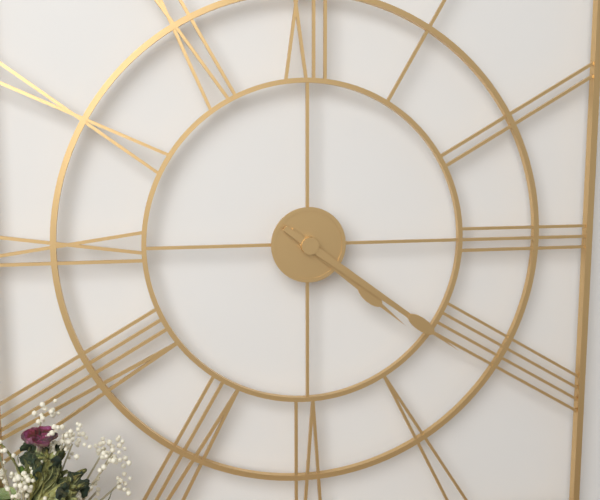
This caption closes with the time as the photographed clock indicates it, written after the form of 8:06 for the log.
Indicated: 4:21
